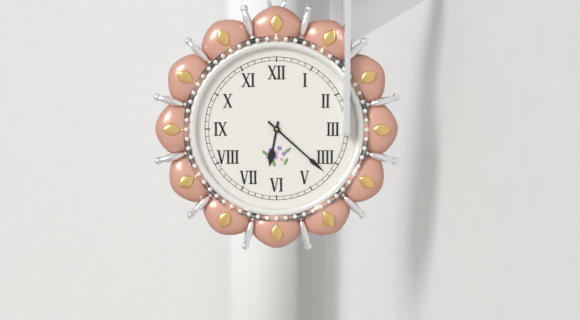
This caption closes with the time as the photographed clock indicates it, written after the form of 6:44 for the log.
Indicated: 6:22
